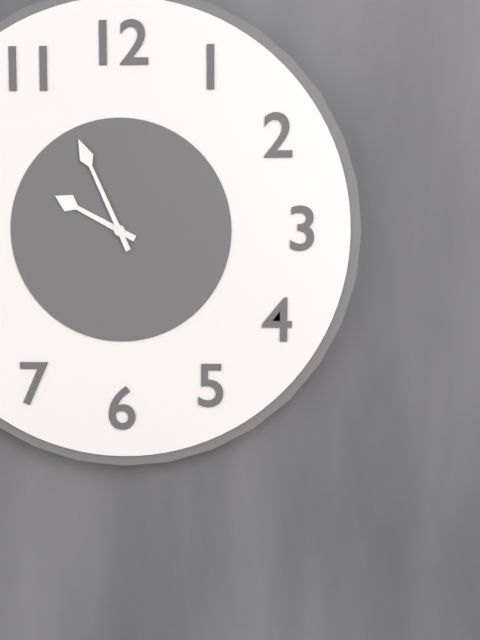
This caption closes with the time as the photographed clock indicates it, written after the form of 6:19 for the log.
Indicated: 9:56
